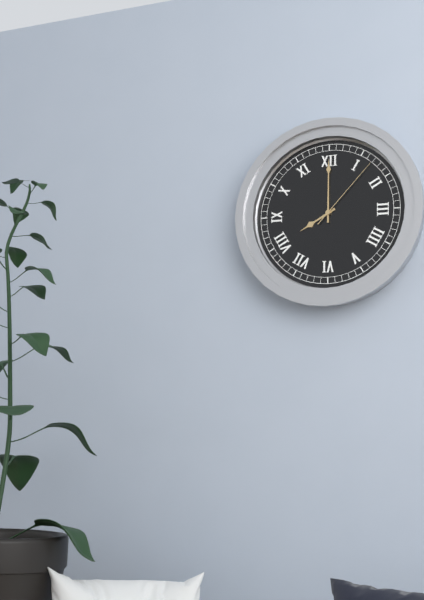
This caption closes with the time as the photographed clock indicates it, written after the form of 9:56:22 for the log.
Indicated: 8:00:07
